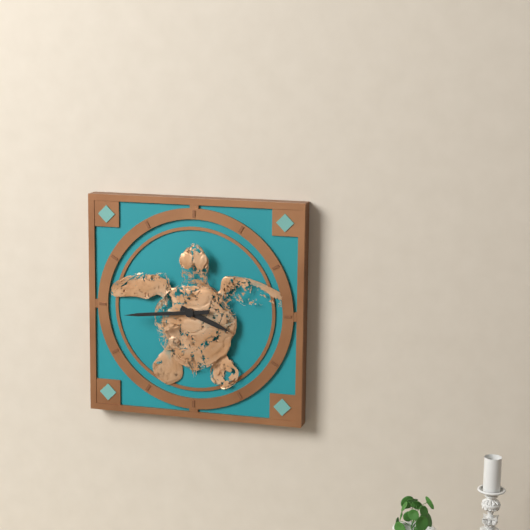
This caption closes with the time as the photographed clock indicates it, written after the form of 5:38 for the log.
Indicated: 3:44
